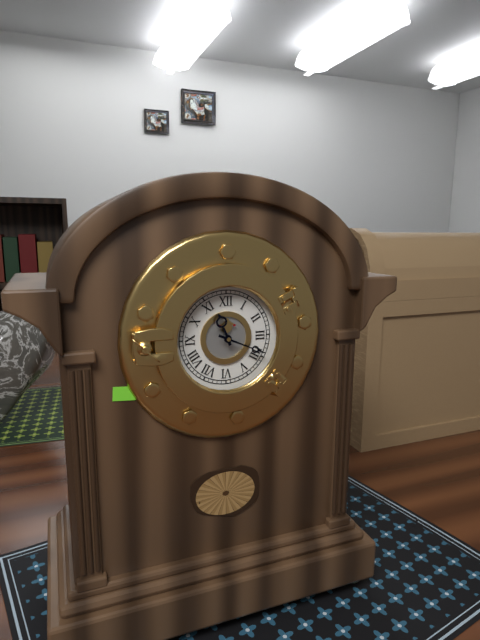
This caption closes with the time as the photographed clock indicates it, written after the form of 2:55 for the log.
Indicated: 11:19
